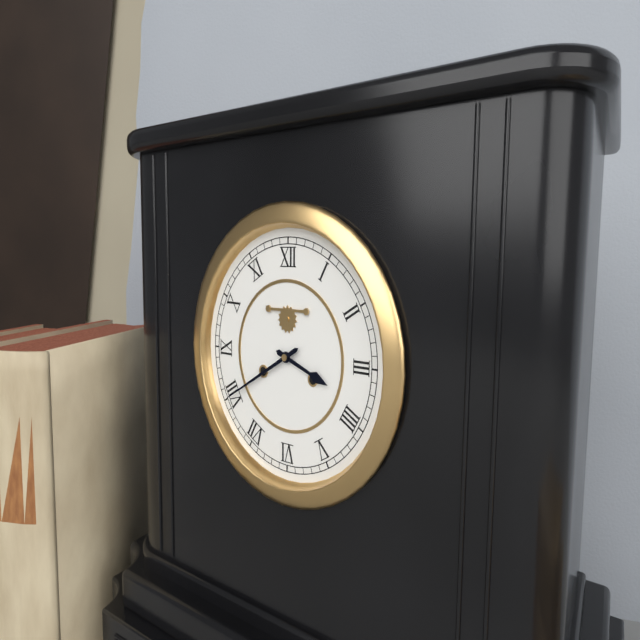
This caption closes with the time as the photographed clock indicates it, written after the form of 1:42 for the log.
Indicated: 3:40
